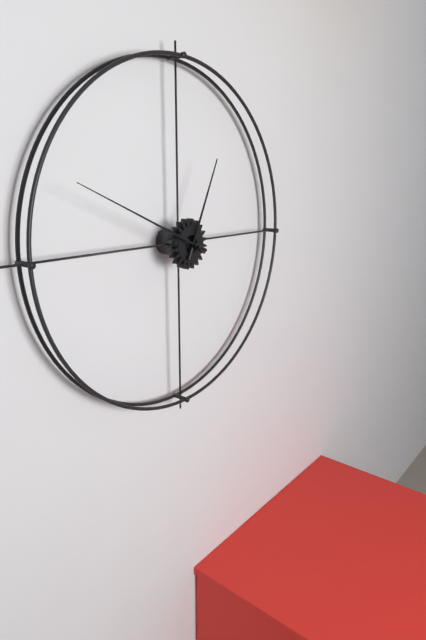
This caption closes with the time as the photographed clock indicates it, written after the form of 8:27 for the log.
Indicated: 12:49
